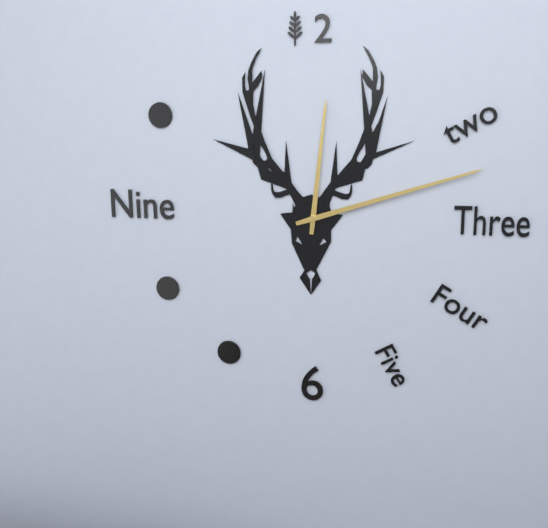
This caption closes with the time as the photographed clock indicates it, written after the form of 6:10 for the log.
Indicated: 12:12
